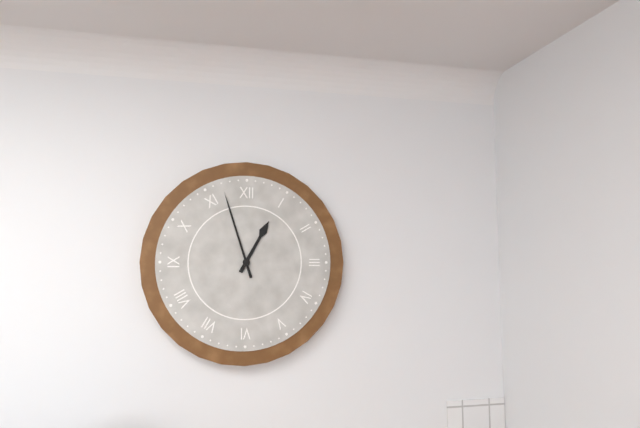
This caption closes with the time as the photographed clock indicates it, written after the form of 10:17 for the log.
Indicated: 12:57
